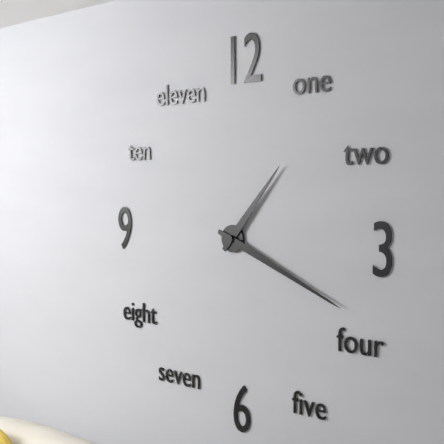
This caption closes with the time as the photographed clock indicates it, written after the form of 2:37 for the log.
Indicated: 1:19
